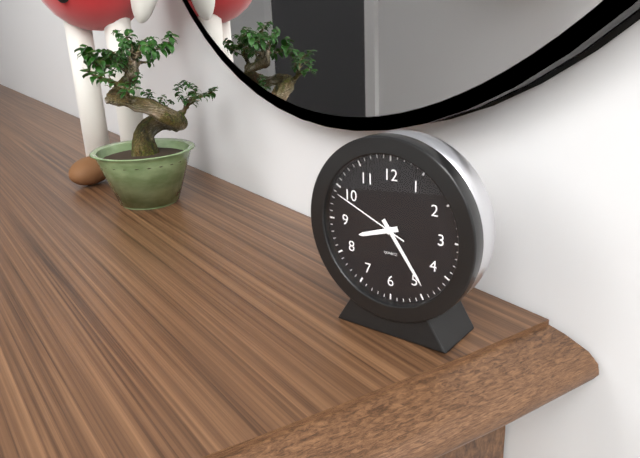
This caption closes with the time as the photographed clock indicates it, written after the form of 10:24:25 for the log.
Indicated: 8:24:49
